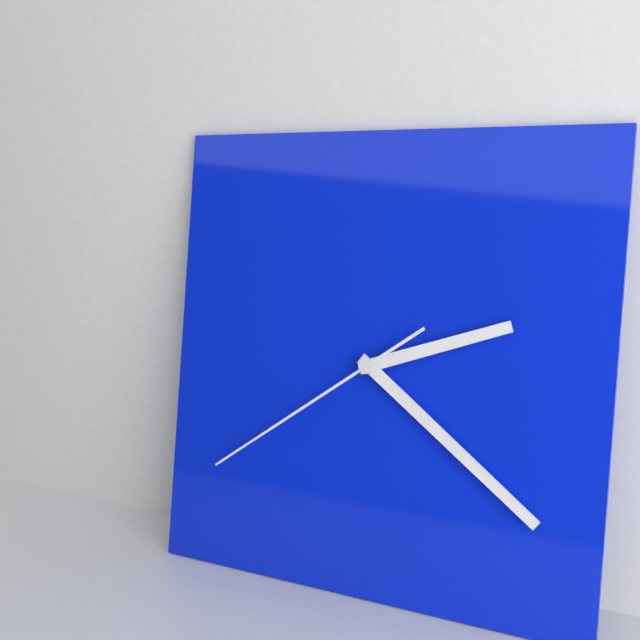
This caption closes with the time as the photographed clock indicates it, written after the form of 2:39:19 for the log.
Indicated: 2:21:39
